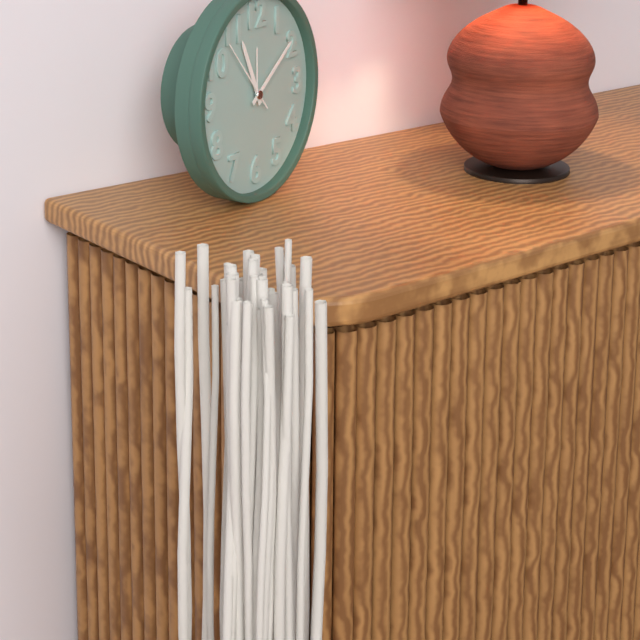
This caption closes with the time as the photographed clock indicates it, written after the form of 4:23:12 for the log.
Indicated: 11:09:53
